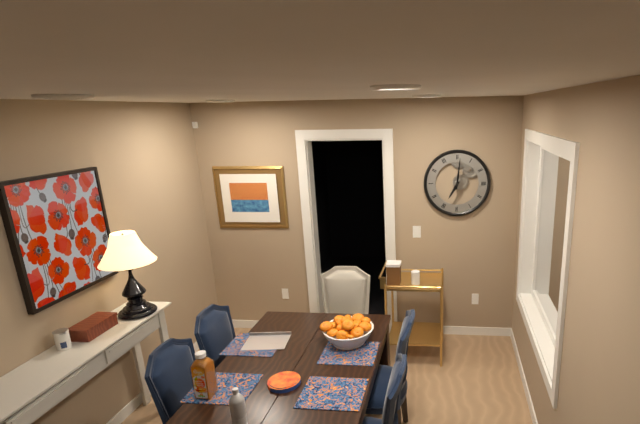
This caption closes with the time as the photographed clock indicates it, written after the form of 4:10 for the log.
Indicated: 7:01
